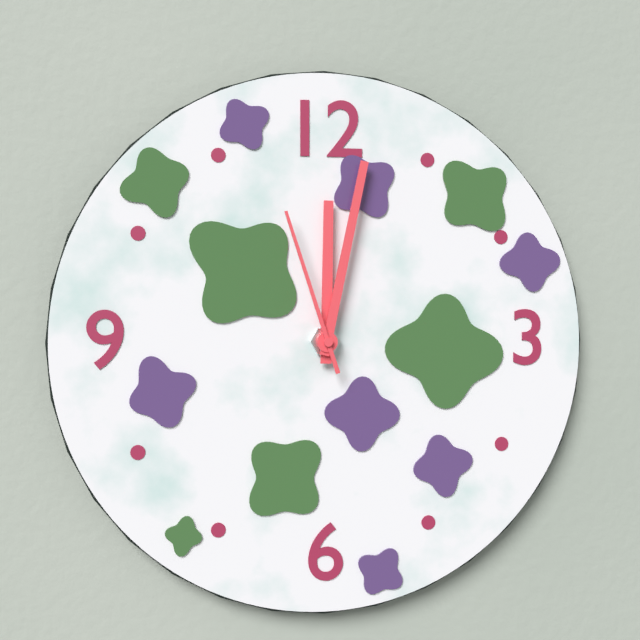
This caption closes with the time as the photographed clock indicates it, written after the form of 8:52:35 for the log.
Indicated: 12:02:57
